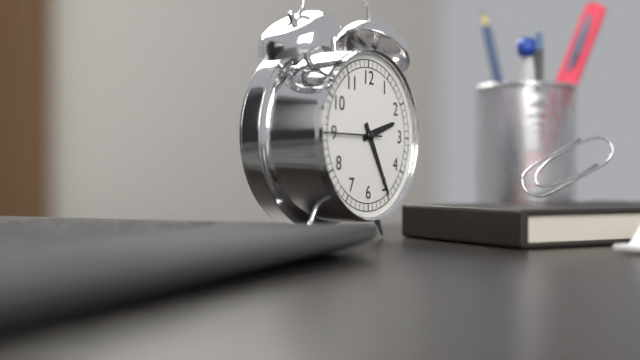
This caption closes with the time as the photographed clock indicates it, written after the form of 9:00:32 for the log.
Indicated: 2:25:45
